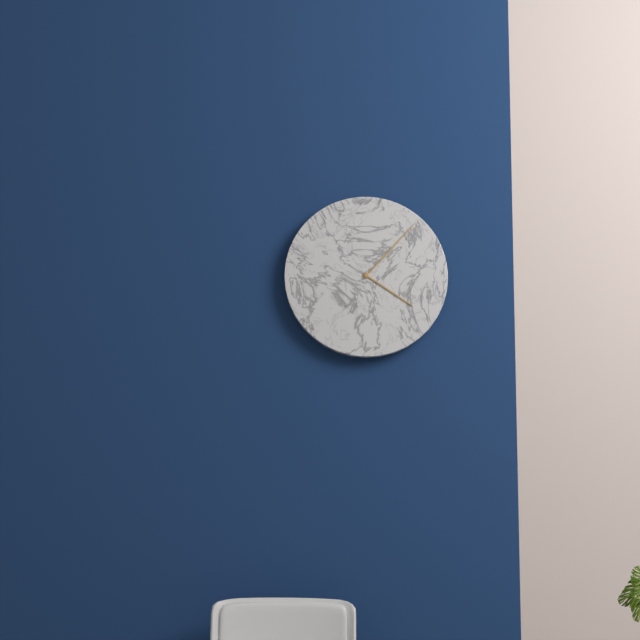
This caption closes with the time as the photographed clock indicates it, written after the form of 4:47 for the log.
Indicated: 4:07
